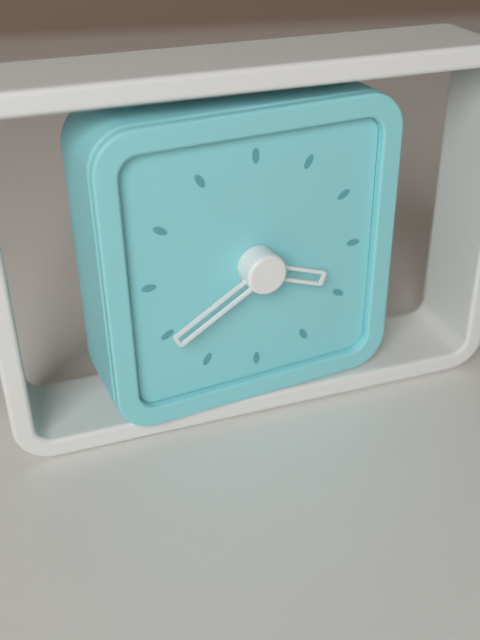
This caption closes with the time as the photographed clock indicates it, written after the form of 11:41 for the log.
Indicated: 3:40
